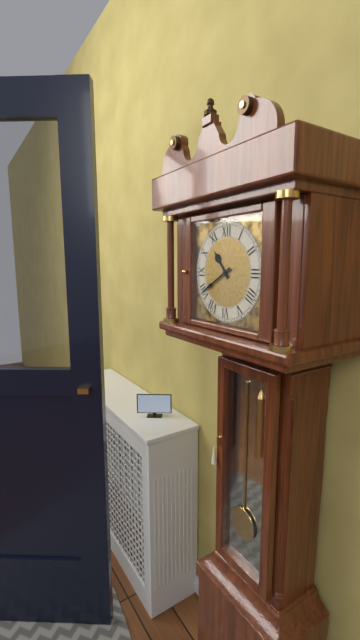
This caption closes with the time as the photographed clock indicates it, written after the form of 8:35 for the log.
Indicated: 10:40
